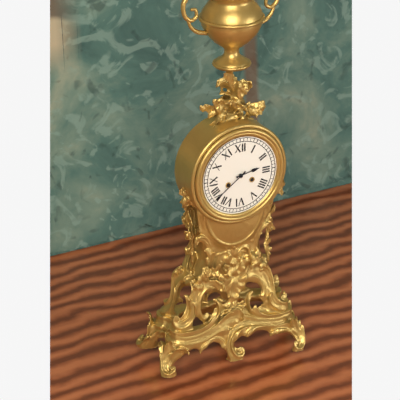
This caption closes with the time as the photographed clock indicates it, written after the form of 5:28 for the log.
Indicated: 2:39
